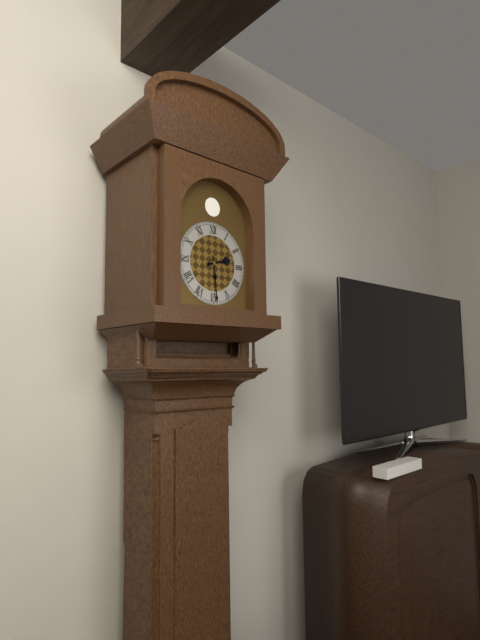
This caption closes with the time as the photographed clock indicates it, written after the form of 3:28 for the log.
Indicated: 2:29
